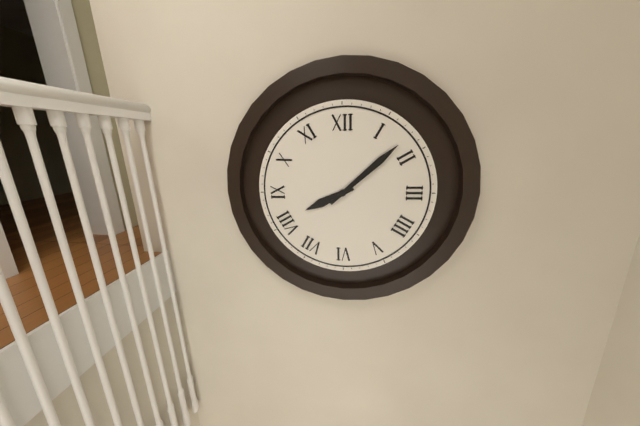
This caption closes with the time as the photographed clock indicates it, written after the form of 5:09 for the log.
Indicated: 8:08
